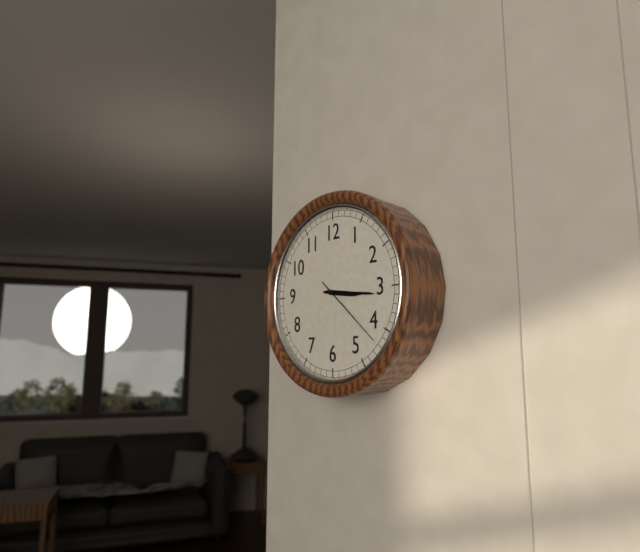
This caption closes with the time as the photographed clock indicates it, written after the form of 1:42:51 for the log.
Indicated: 3:16:22
